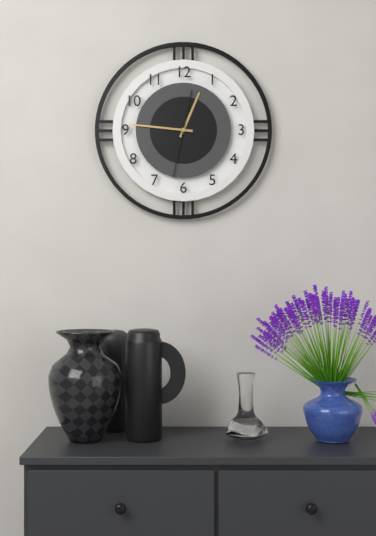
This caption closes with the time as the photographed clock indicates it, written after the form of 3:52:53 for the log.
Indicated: 12:46:32
